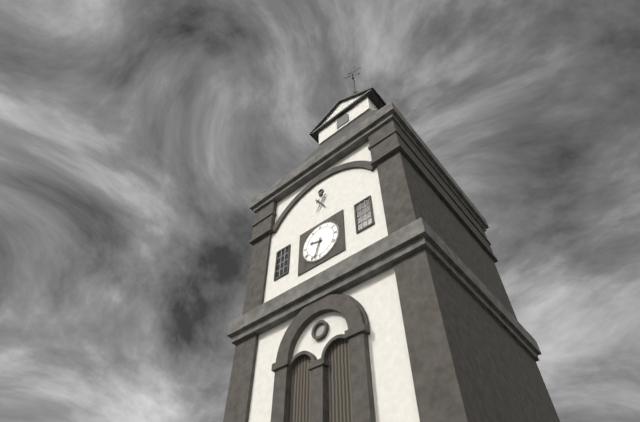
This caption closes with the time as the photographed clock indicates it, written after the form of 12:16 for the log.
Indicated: 9:33
